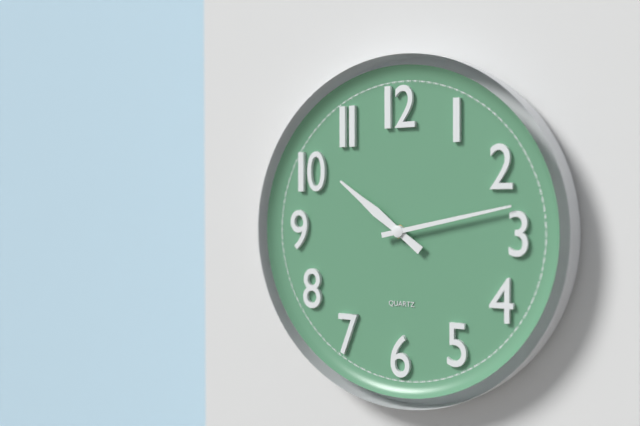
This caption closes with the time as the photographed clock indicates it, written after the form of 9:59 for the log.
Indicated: 10:13
